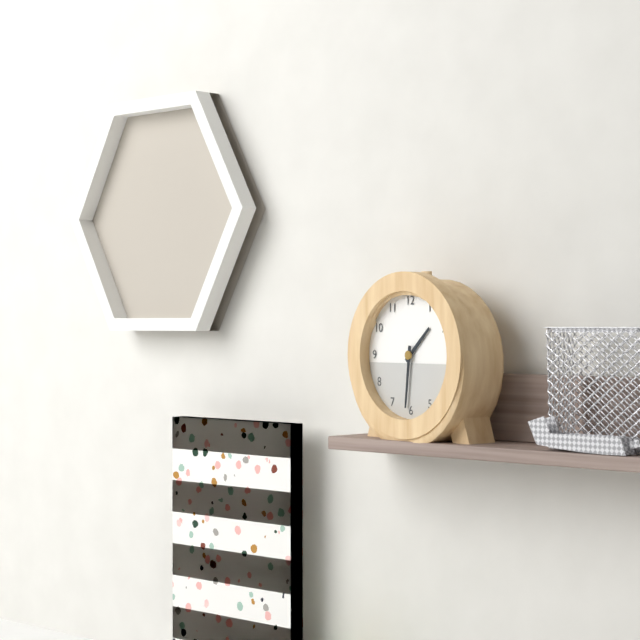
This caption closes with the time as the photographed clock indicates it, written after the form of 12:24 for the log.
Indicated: 1:31
